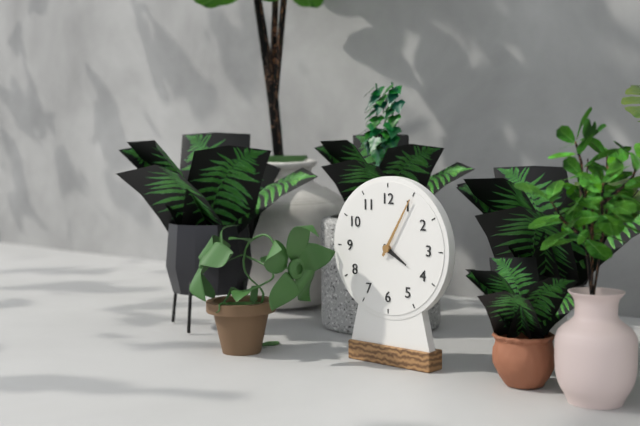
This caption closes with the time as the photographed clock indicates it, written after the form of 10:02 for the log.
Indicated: 4:05
